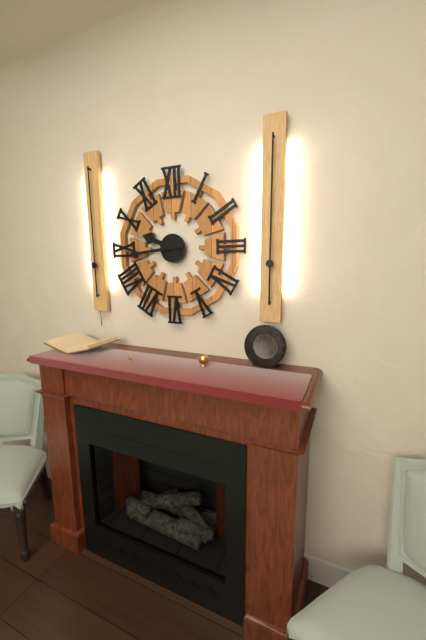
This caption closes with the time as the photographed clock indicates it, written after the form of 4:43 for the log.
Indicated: 9:44
